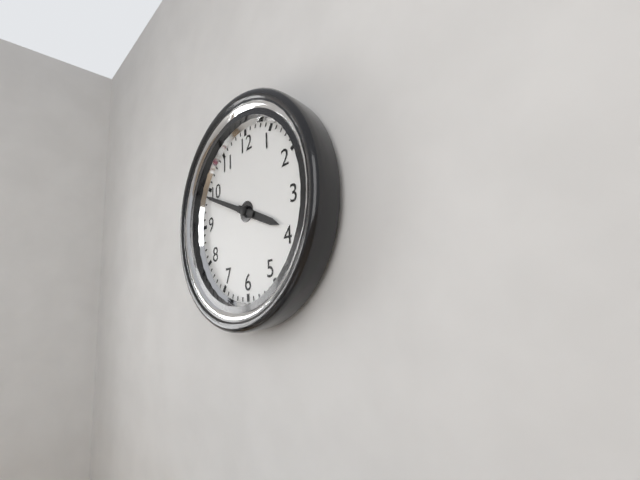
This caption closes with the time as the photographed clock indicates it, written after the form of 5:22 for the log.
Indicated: 3:49
